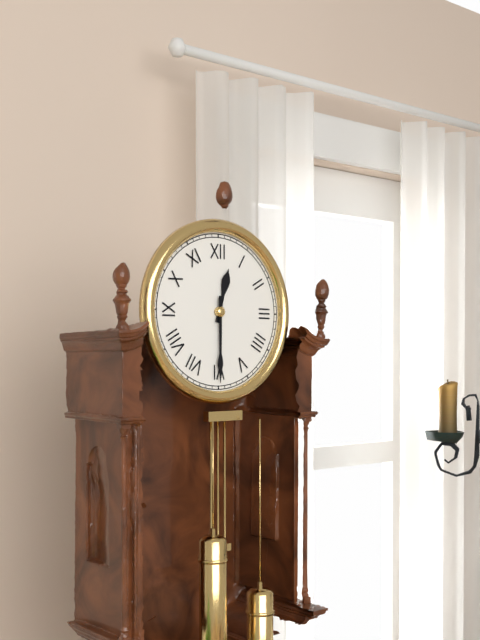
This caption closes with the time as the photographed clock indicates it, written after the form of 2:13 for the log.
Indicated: 12:30
